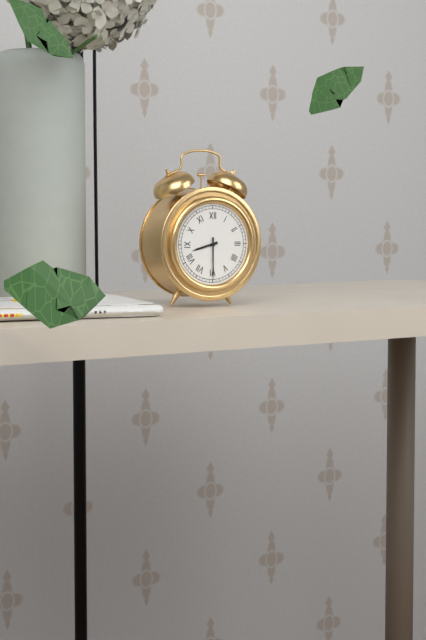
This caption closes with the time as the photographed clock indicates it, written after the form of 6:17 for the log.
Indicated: 8:30
